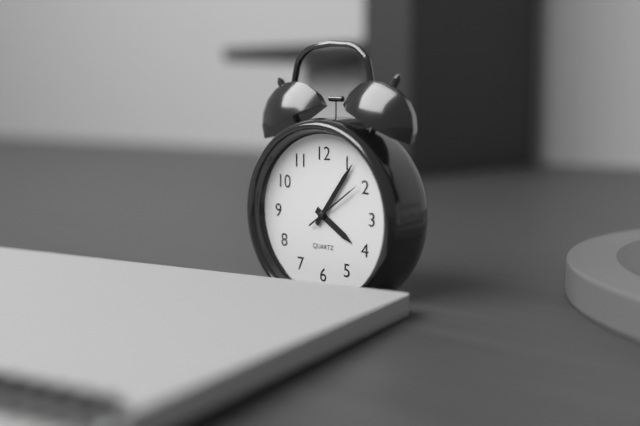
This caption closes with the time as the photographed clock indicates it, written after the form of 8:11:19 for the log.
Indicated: 4:06:09
